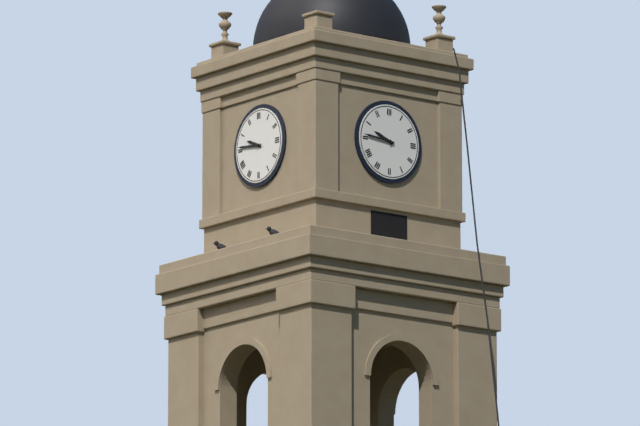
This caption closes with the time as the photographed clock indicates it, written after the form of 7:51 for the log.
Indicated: 9:46
